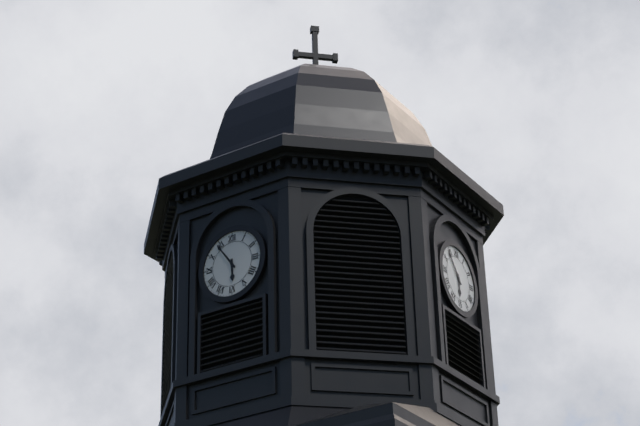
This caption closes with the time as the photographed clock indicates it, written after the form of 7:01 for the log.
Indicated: 5:54
